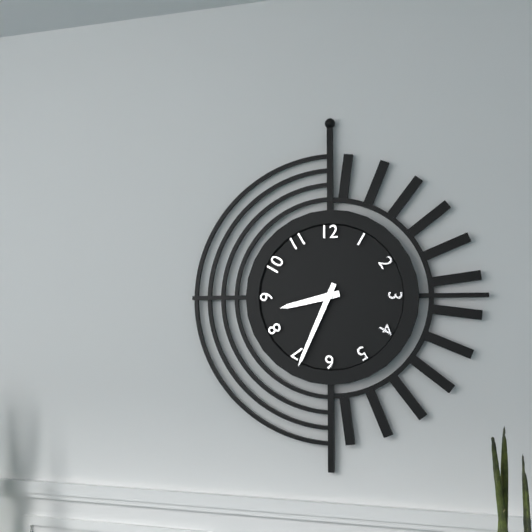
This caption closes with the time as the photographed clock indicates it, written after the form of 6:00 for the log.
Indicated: 8:34
